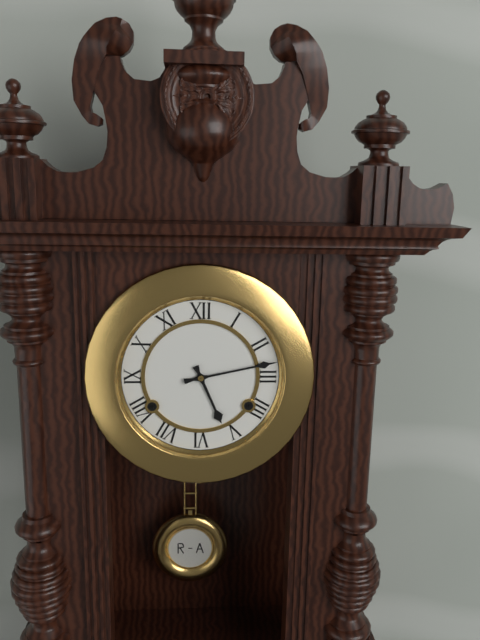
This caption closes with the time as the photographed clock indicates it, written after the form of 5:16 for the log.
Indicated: 5:13
